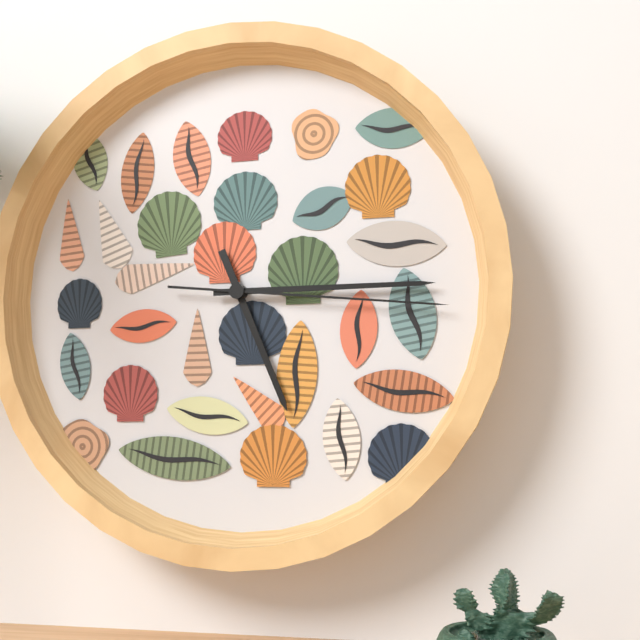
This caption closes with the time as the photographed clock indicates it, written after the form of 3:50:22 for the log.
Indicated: 5:15:16
